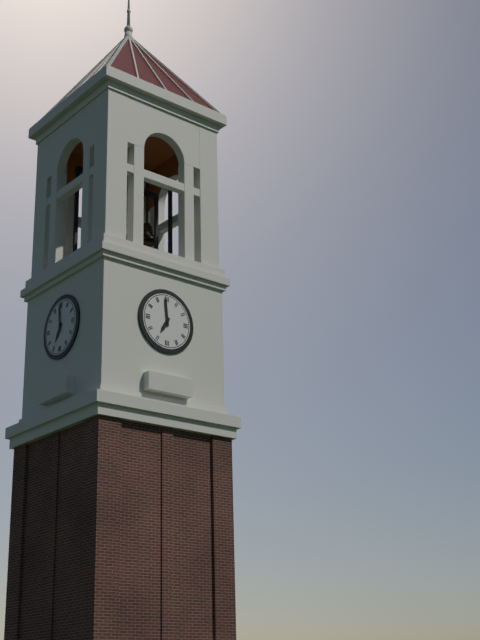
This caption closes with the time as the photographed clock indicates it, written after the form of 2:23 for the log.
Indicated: 6:59
